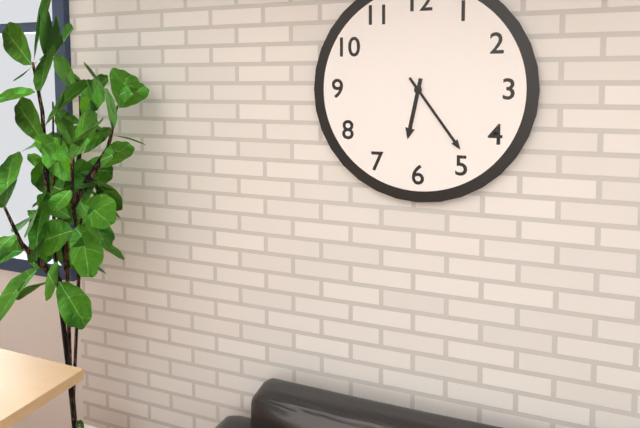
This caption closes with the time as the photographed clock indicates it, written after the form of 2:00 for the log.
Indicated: 6:24
